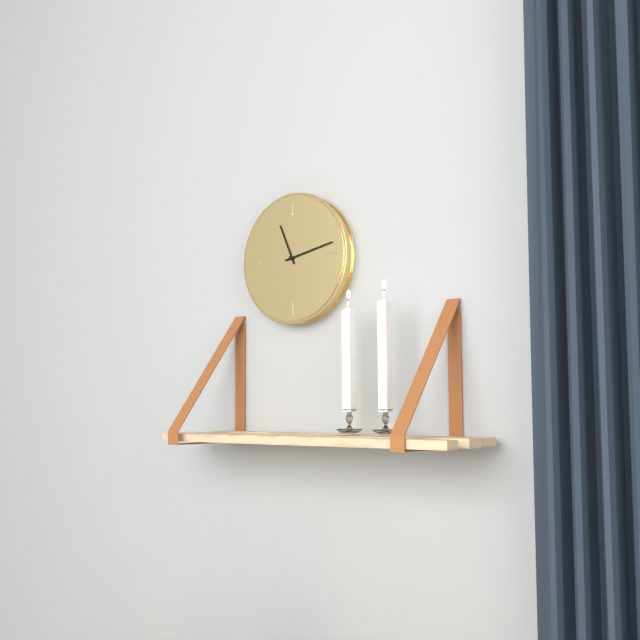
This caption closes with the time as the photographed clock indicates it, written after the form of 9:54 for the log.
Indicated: 11:13
